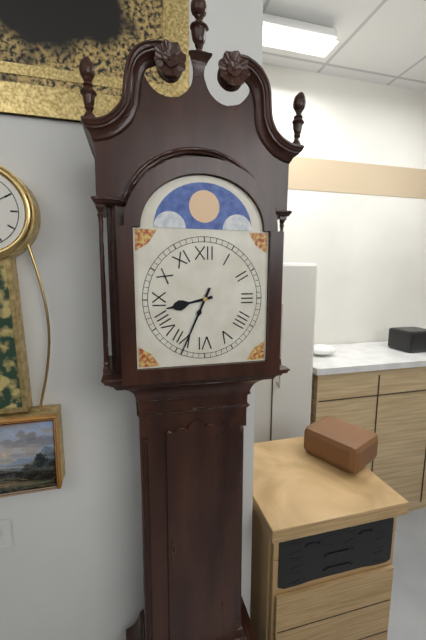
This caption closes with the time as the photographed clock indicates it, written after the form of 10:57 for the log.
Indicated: 8:34
